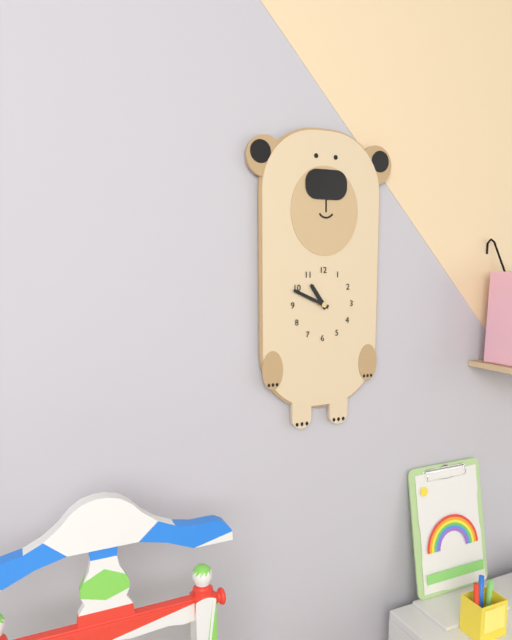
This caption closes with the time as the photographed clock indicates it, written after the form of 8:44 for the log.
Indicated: 10:49
